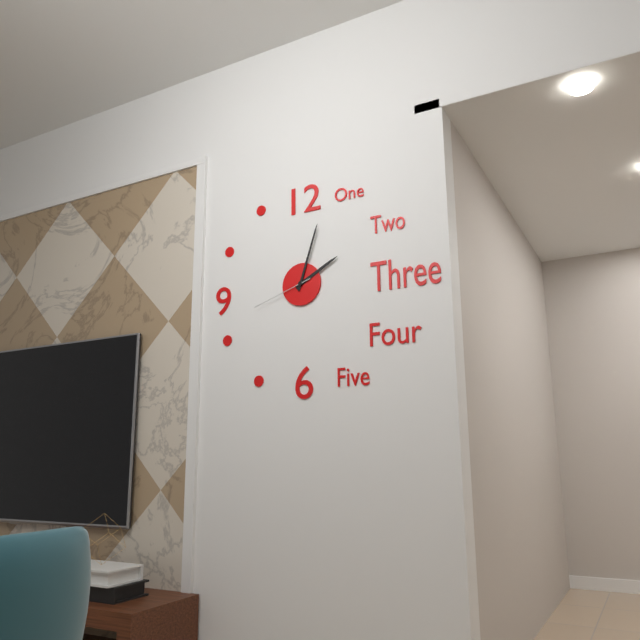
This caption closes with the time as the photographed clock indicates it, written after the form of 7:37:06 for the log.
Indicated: 2:03:42
